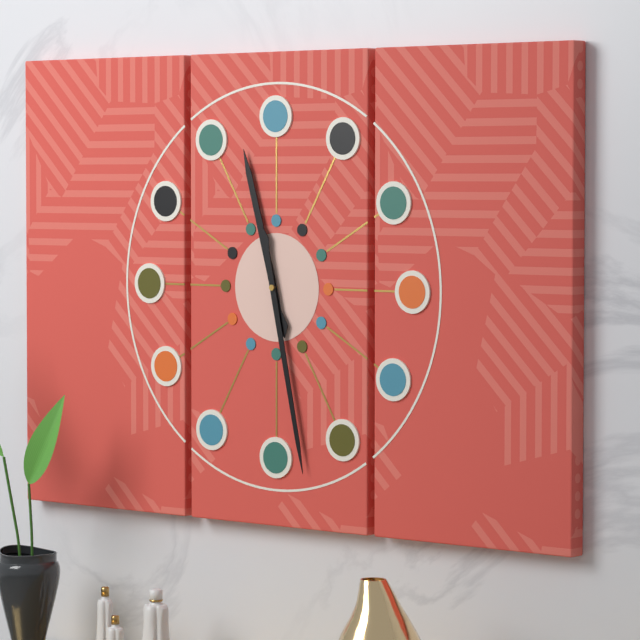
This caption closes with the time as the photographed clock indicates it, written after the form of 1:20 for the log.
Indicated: 11:28
